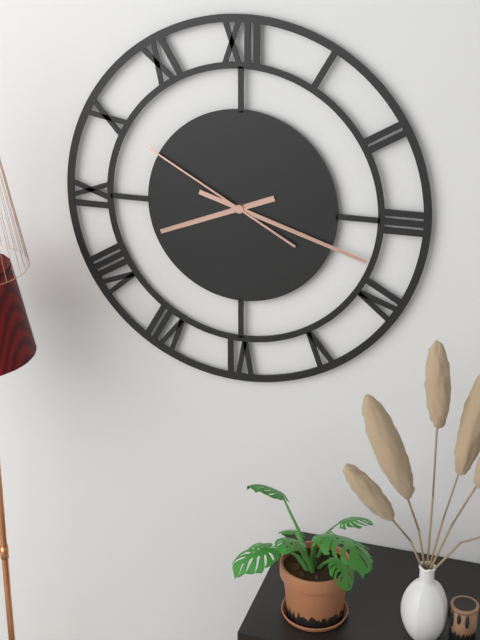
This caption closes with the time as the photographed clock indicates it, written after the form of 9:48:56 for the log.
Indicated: 8:18:50
